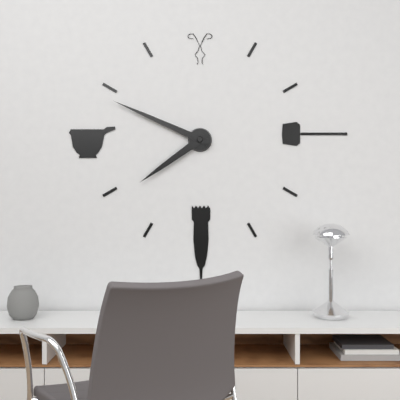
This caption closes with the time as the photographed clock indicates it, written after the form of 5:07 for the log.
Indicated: 7:49
